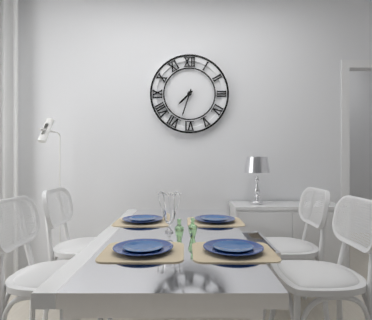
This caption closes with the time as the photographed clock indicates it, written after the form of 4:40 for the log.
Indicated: 7:33
